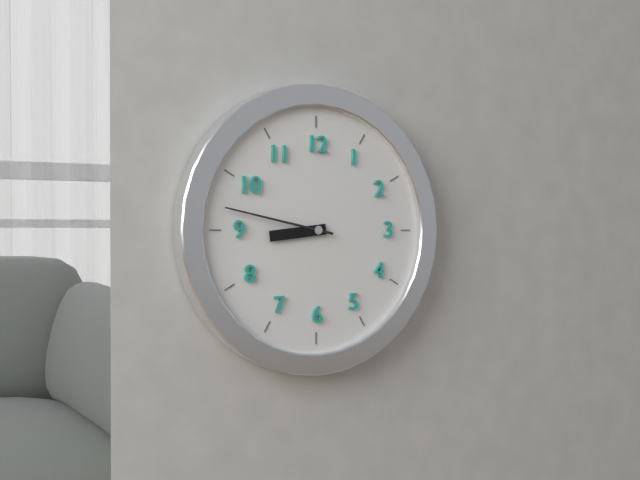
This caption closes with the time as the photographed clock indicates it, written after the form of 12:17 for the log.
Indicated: 8:47
